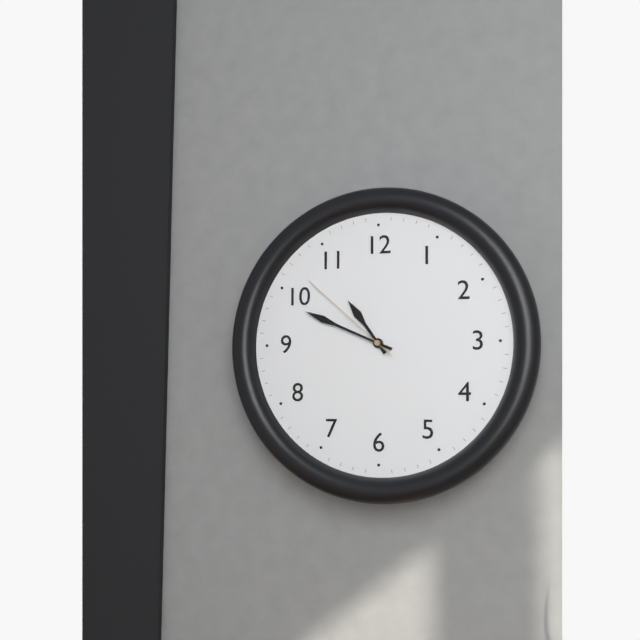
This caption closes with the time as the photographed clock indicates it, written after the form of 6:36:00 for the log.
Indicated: 10:49:52
